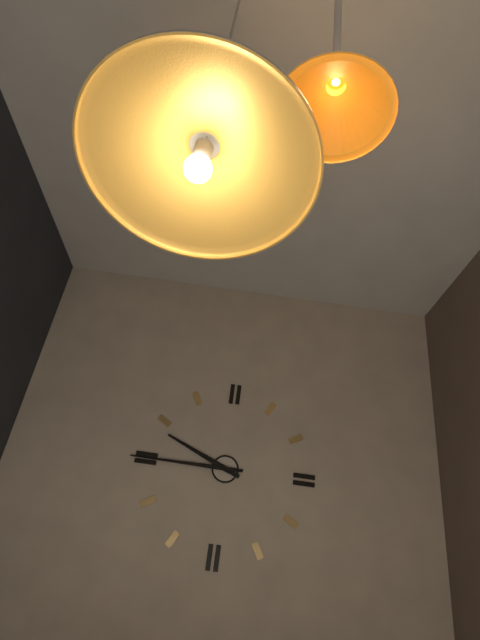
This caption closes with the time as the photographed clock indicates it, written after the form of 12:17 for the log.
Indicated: 9:45
